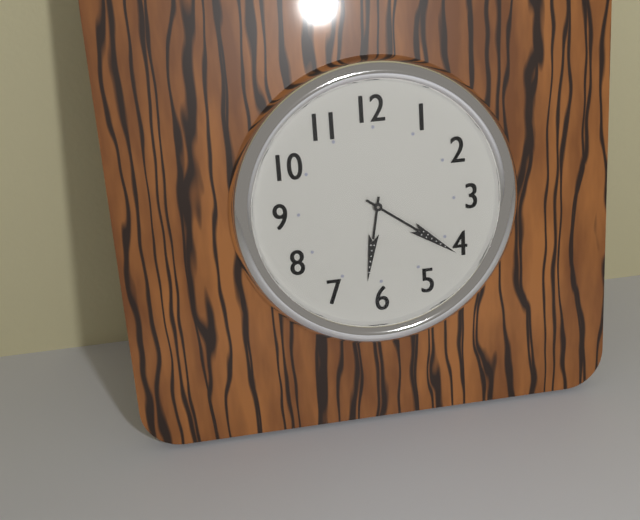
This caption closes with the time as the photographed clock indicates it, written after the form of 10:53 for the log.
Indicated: 6:21
